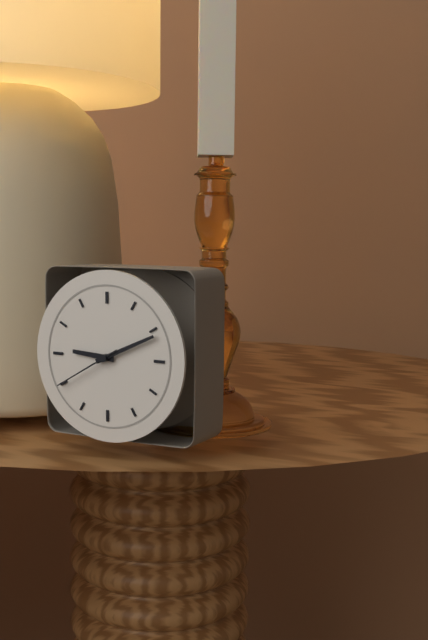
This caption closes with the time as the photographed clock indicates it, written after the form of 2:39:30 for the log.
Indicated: 9:11:40
